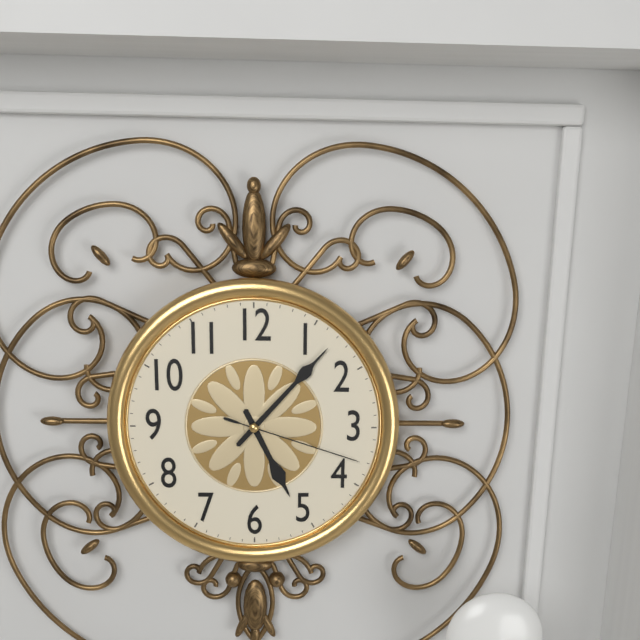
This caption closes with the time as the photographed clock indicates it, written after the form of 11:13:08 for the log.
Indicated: 5:07:18
